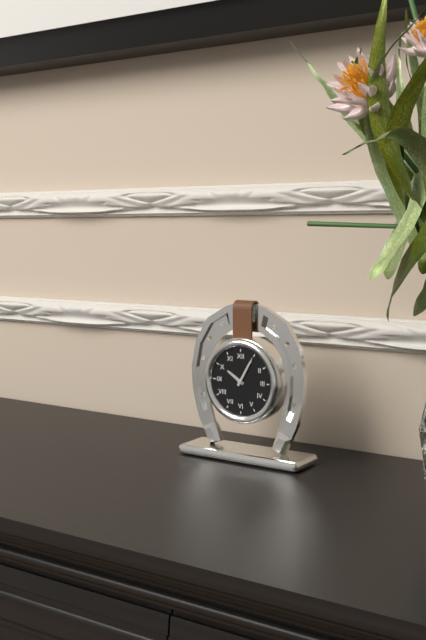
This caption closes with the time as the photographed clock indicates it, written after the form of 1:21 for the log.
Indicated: 10:05
